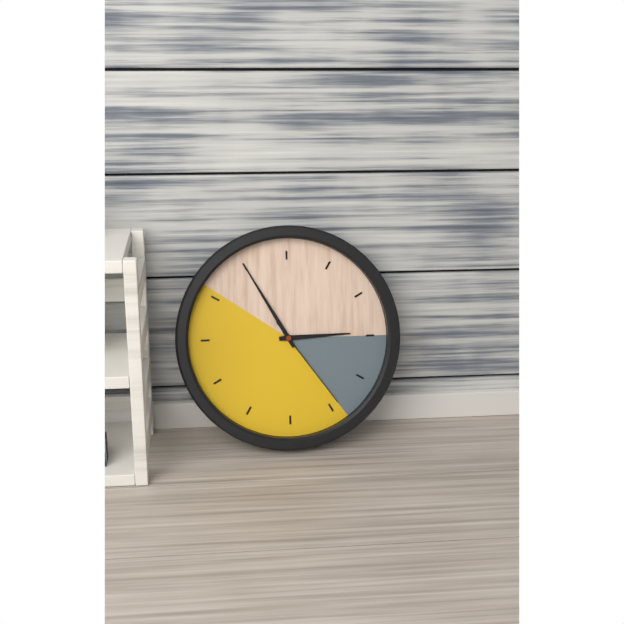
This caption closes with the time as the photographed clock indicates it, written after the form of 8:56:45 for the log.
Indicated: 2:55:24
